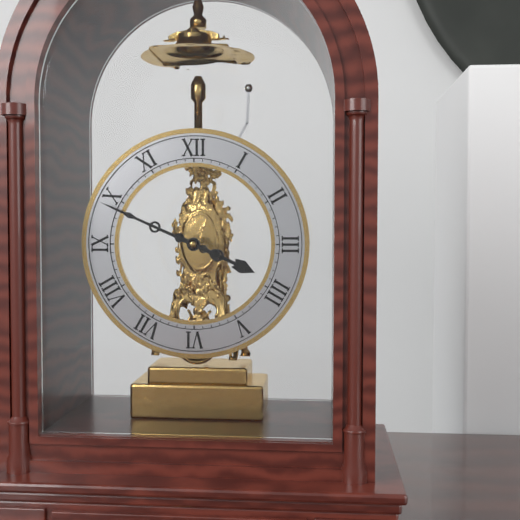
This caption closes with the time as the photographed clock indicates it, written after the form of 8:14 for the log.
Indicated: 3:49
